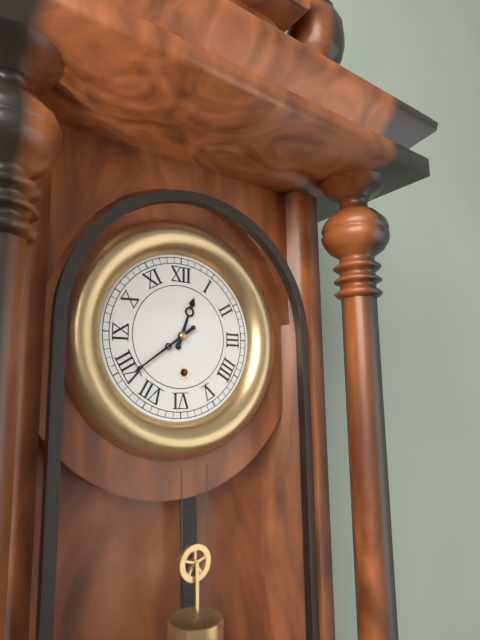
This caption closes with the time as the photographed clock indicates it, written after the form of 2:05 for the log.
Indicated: 12:39
